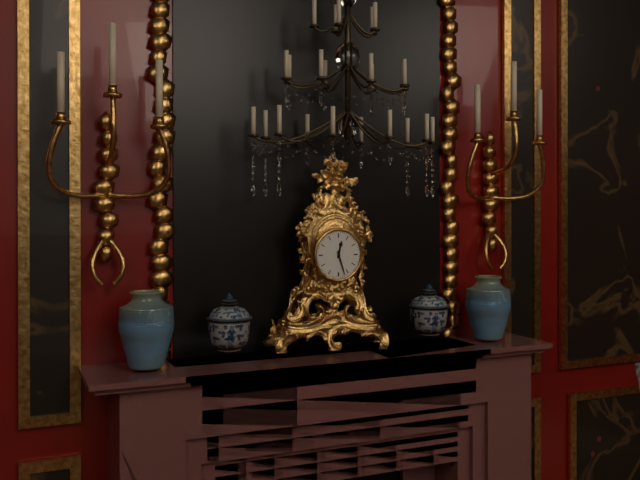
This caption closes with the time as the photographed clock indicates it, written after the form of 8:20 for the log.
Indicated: 12:27
